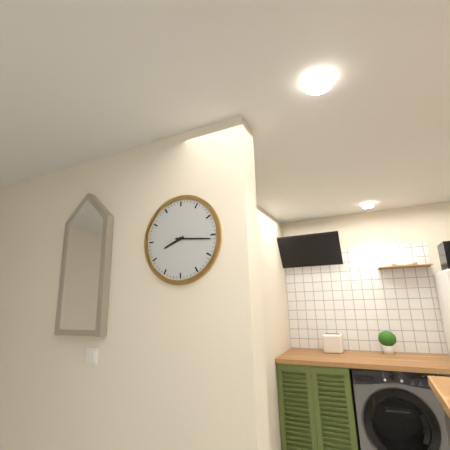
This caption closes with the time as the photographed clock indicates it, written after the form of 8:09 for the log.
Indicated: 8:16
